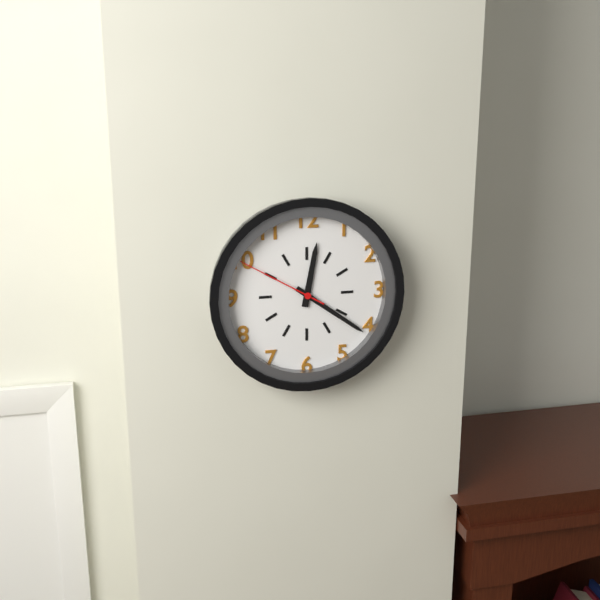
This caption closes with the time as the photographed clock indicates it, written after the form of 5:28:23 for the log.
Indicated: 12:21:50
